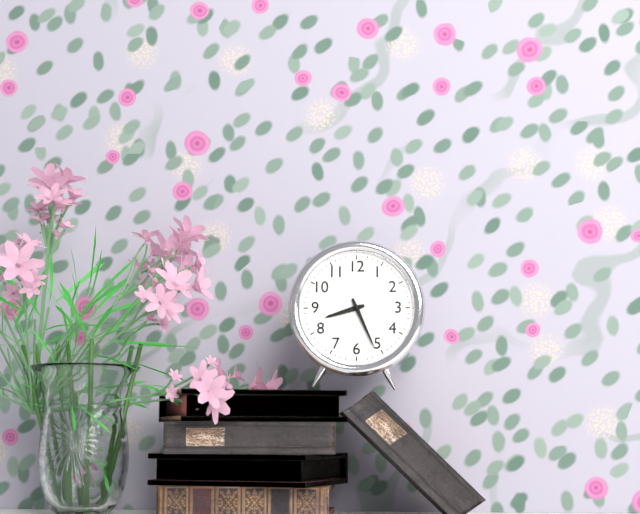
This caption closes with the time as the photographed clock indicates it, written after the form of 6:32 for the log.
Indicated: 8:26
